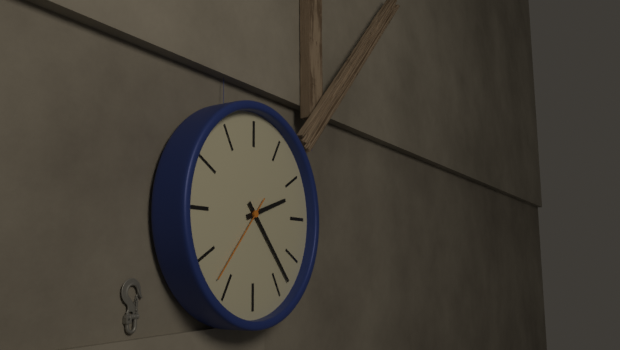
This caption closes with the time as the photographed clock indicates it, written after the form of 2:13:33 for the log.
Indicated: 2:23:37
